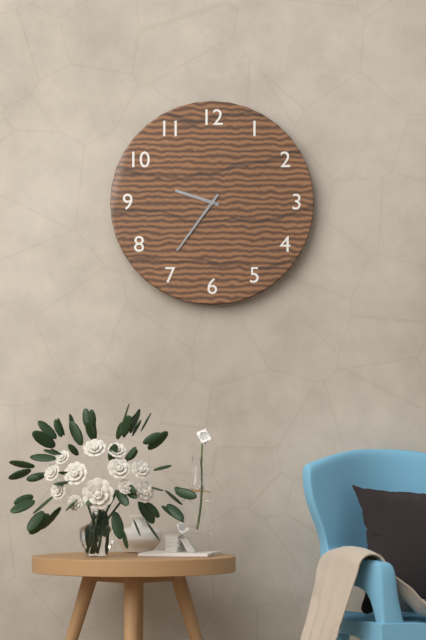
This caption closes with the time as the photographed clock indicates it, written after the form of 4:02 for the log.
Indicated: 9:36
